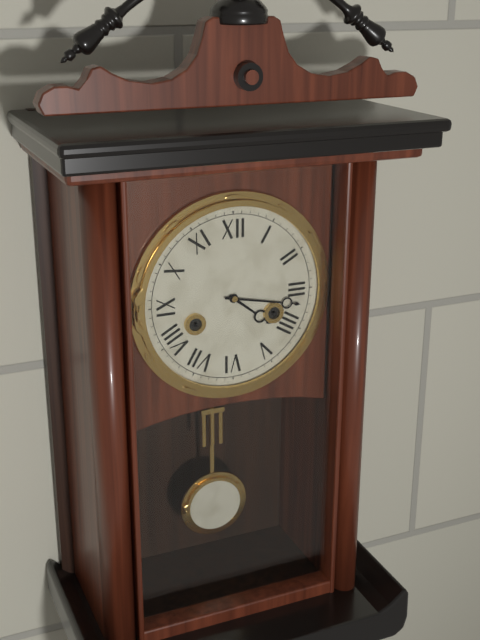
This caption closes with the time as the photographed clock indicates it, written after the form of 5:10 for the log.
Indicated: 4:17
